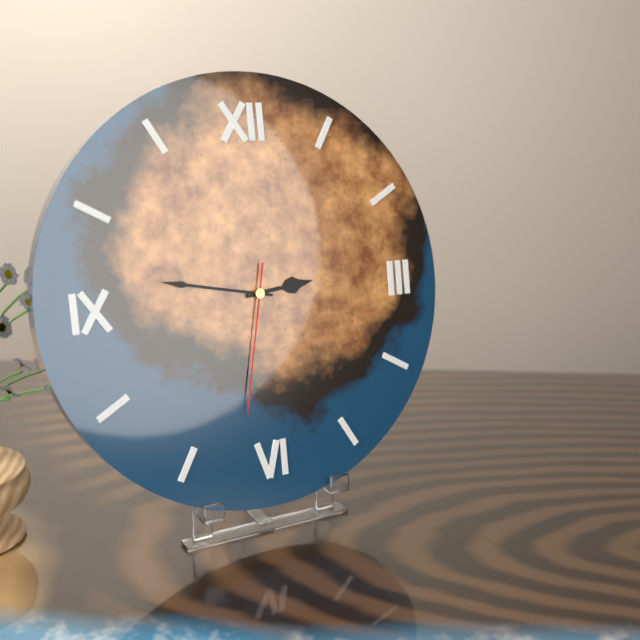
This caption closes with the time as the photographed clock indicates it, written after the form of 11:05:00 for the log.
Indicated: 2:47:32
